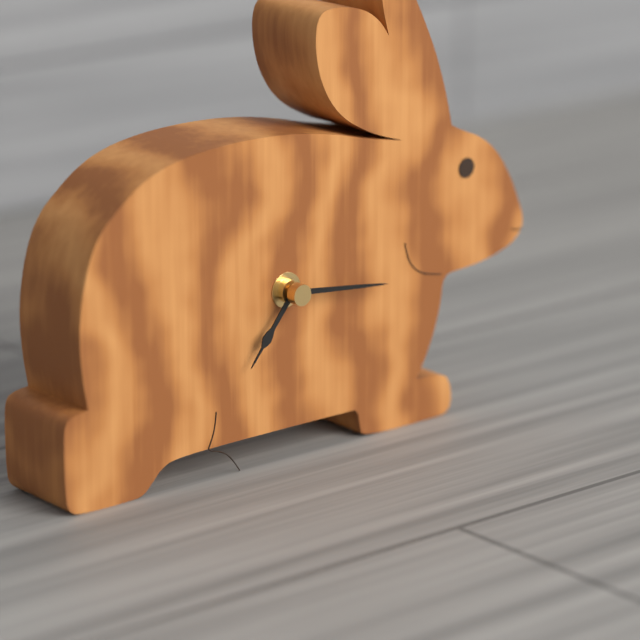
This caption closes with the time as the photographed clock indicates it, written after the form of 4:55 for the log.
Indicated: 7:16
